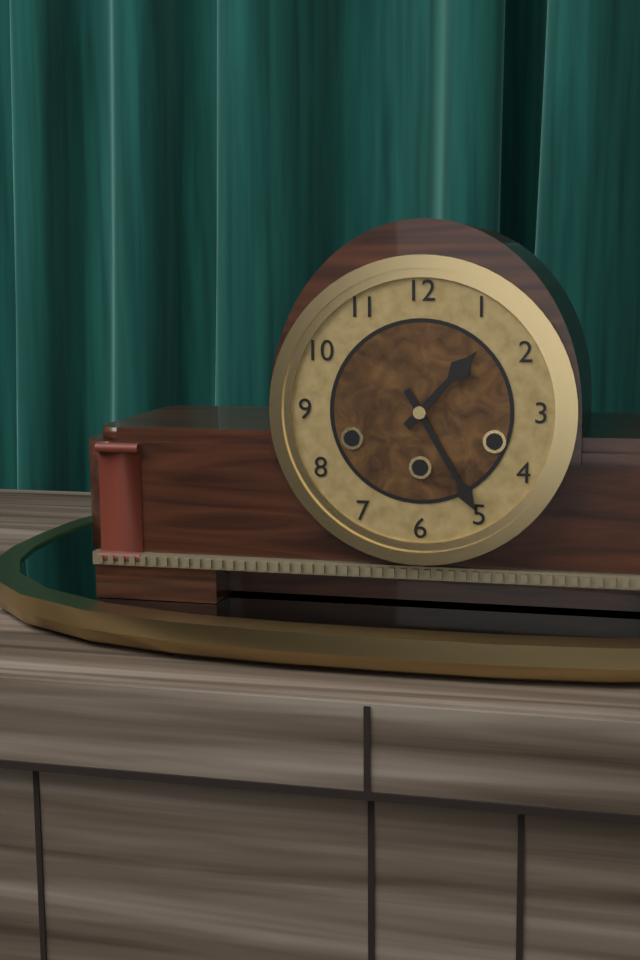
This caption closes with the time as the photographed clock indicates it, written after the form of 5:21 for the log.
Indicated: 1:25
